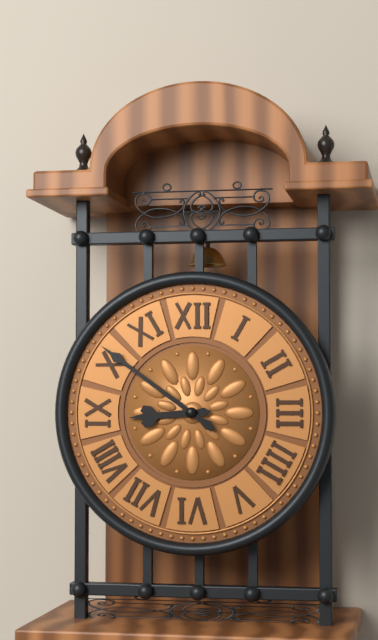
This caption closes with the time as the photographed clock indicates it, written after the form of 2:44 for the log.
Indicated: 8:51
